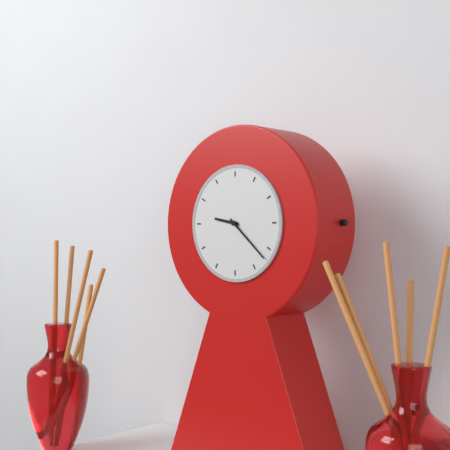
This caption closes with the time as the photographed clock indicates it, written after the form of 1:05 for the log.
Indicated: 9:22
